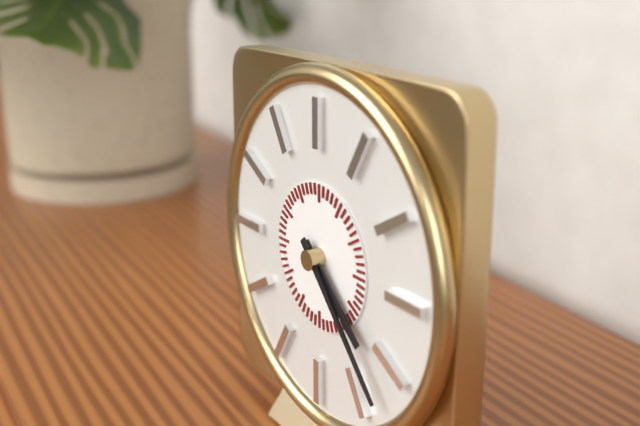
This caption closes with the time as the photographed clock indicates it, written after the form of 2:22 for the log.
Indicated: 4:23
